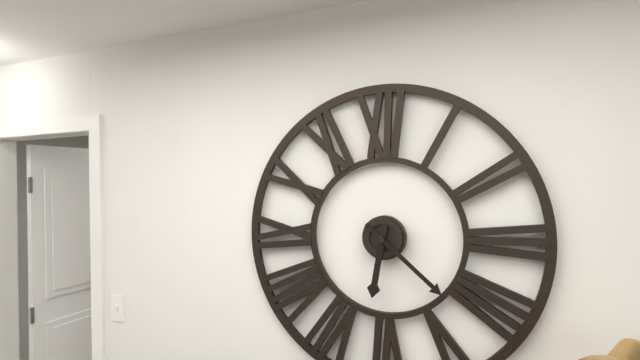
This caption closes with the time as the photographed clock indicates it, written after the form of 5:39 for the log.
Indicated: 6:22
